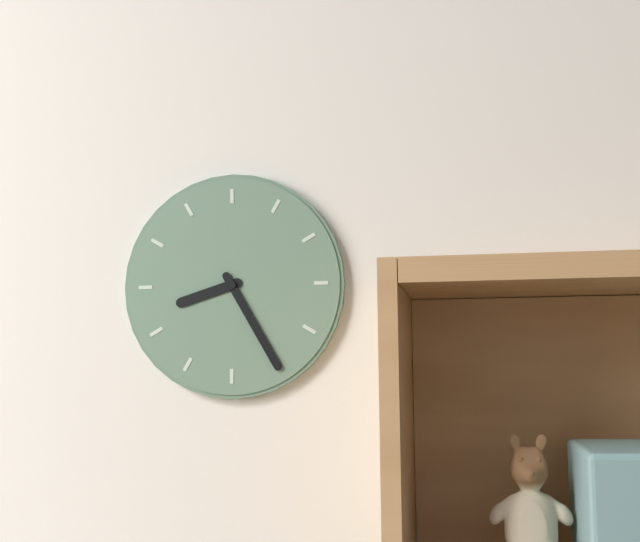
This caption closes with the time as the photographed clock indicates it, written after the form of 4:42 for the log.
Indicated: 8:25
